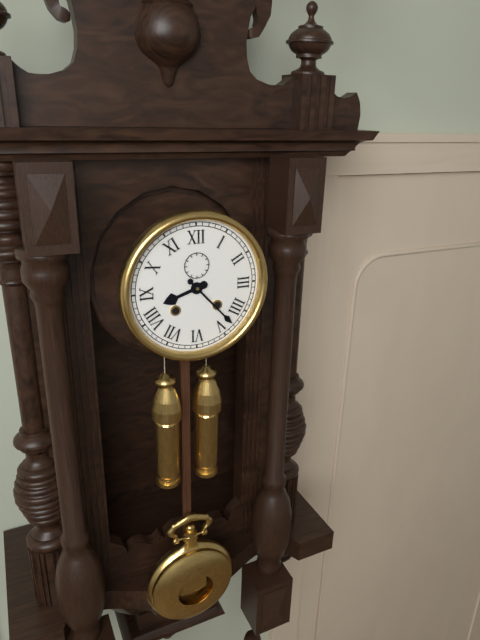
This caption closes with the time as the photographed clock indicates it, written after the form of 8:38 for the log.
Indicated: 8:23
